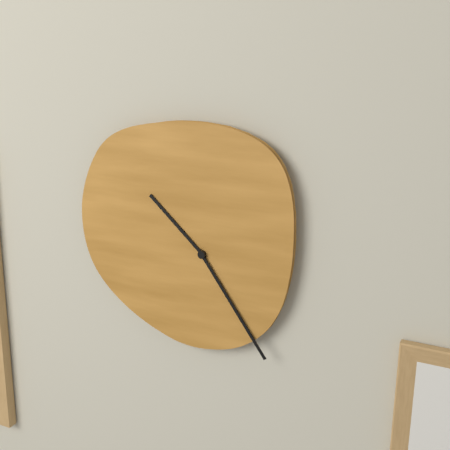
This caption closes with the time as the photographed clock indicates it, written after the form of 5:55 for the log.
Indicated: 10:24
